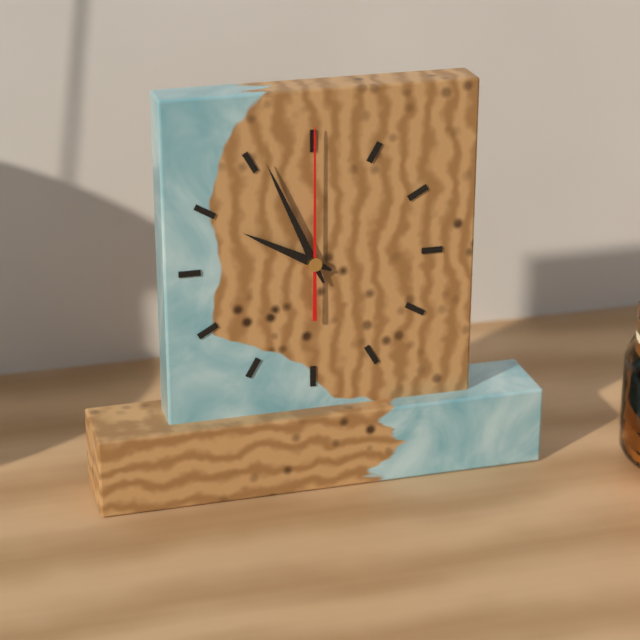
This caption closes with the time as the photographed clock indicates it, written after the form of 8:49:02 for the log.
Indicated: 9:56:00
